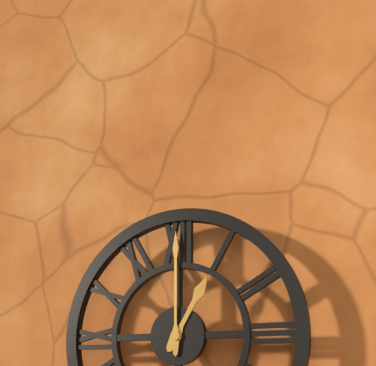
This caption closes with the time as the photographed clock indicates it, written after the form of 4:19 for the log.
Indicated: 1:00
